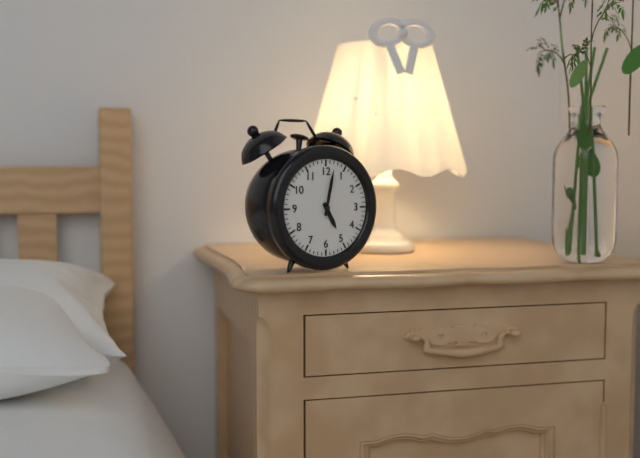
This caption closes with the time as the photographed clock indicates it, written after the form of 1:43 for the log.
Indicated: 5:02
